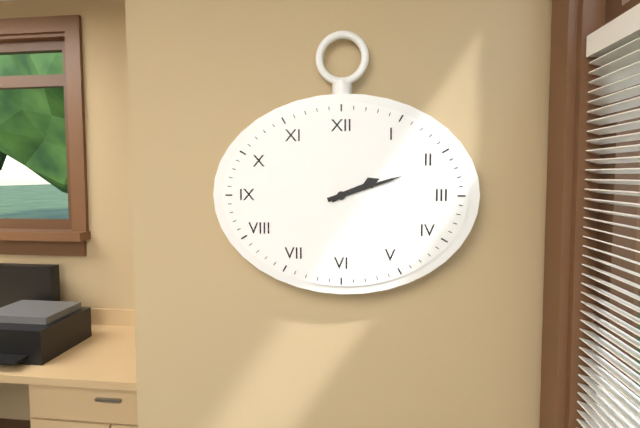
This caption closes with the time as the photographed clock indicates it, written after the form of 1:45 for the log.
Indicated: 2:12
